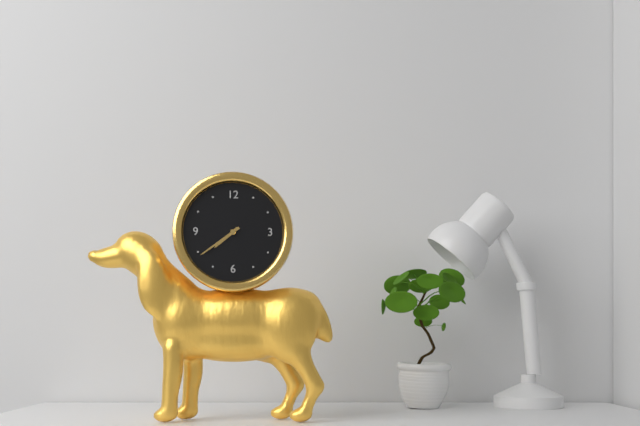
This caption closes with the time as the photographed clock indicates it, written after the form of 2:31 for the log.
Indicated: 7:39
